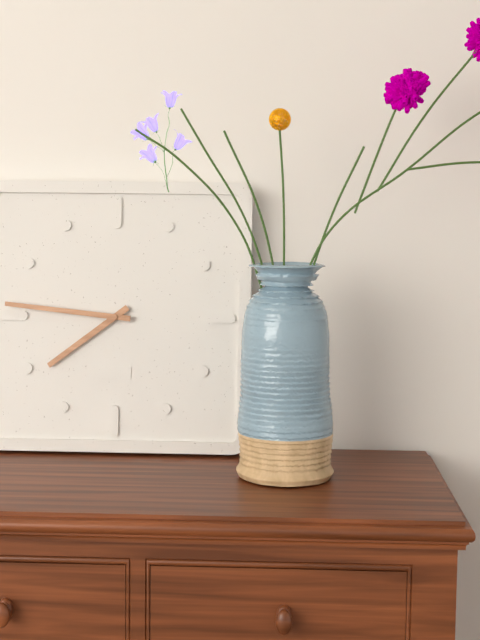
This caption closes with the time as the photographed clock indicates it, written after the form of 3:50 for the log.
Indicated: 7:46
